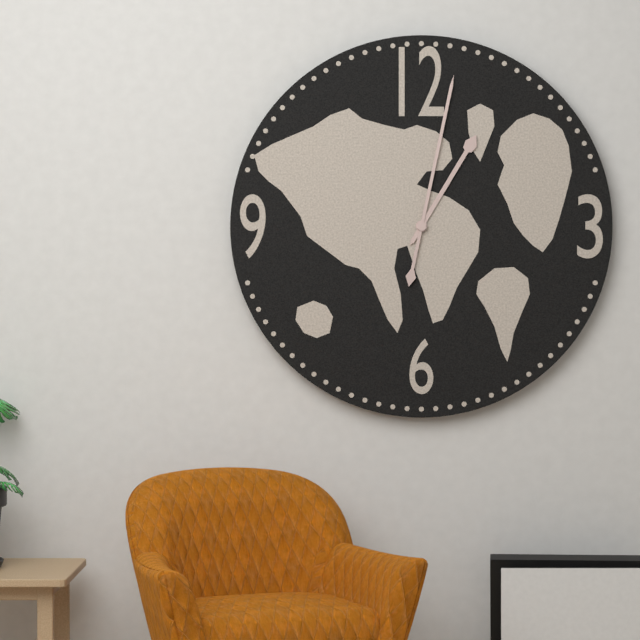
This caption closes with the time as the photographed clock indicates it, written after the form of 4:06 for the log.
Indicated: 1:02
